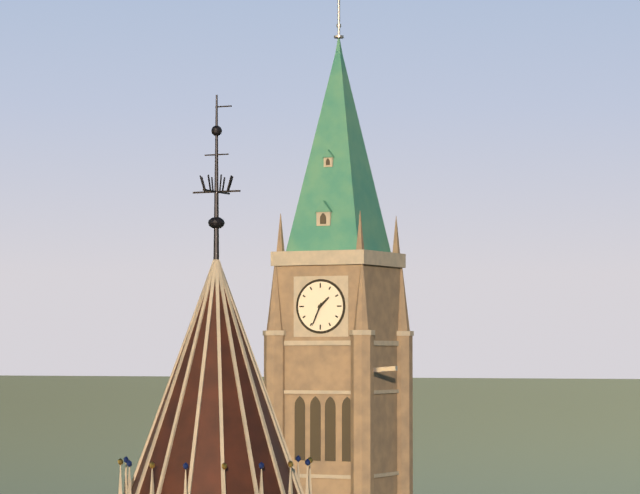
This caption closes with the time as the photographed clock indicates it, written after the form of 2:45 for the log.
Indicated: 1:34
